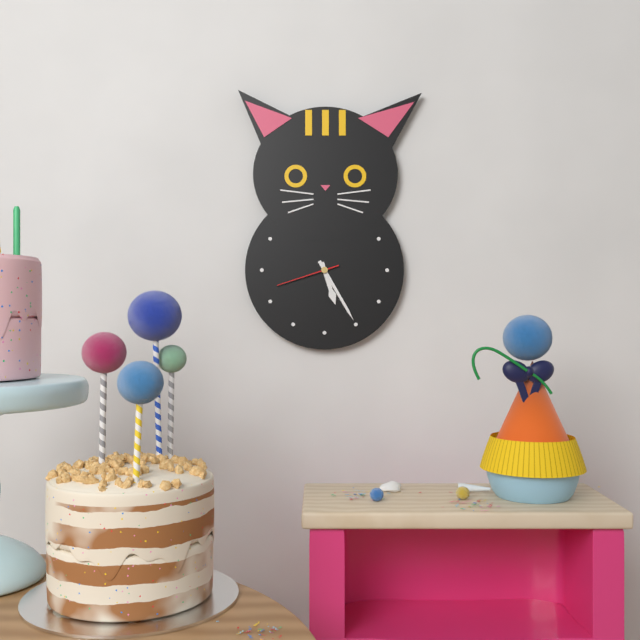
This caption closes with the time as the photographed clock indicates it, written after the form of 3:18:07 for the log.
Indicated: 5:25:42
